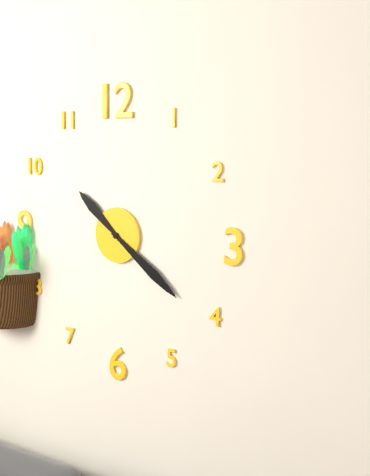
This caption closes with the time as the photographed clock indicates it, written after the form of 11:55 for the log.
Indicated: 10:21
